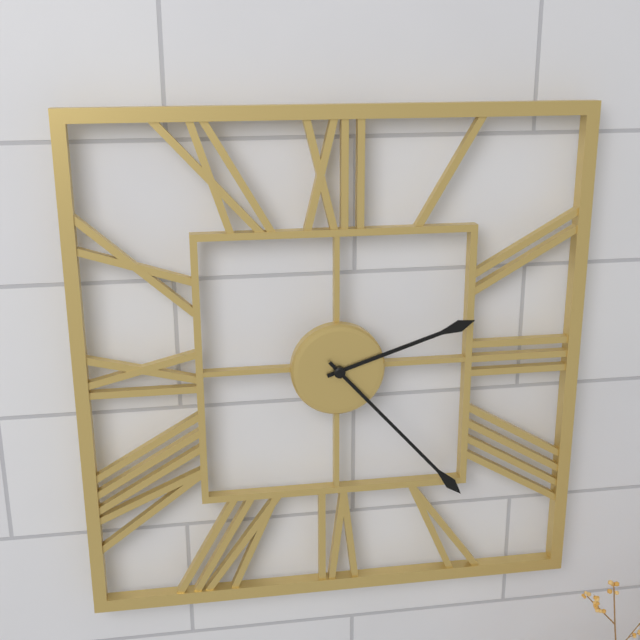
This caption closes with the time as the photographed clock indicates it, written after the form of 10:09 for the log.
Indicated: 2:23
